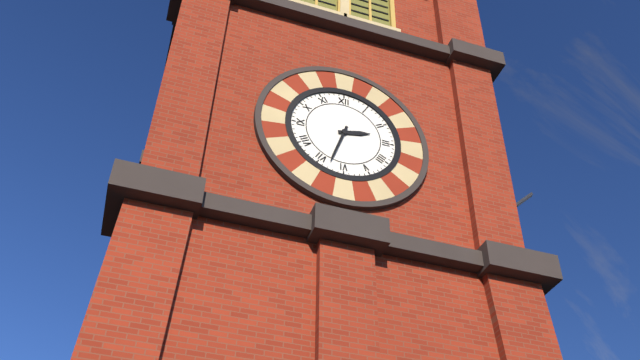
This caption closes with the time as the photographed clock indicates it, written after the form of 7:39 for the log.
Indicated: 2:33
